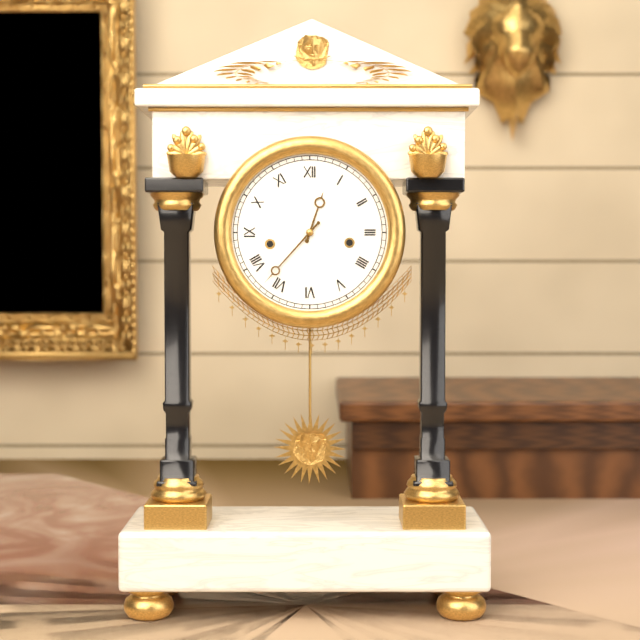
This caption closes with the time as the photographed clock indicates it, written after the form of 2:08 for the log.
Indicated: 12:37
